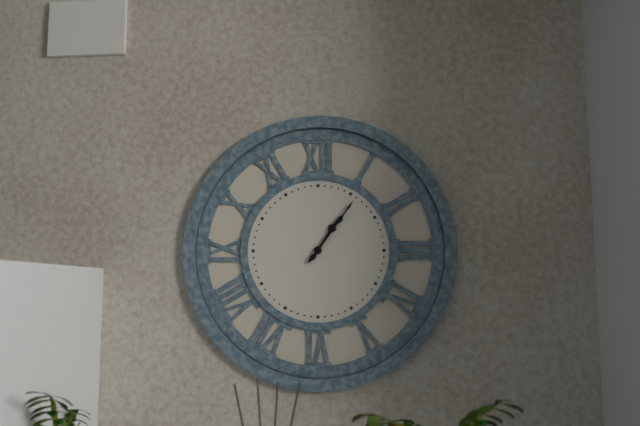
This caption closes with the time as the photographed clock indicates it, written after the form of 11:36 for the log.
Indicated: 1:06
